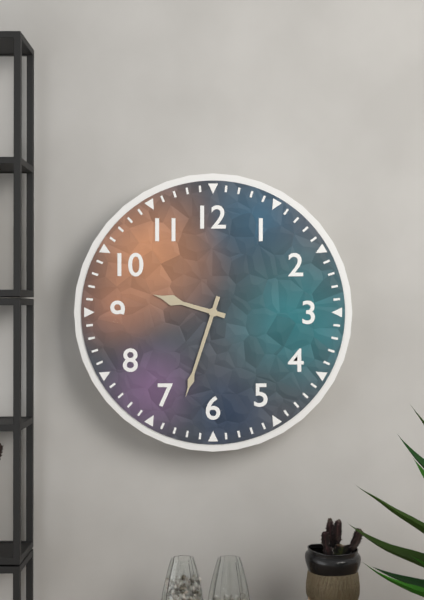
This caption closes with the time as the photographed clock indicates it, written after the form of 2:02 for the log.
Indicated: 9:33
